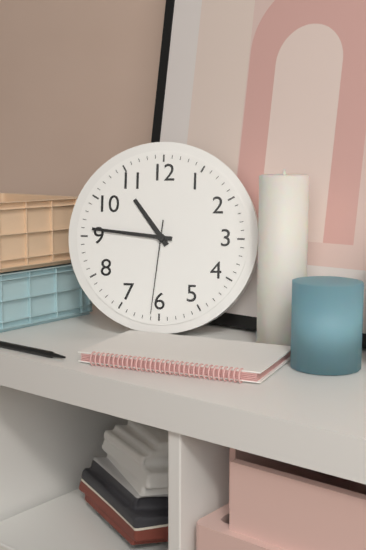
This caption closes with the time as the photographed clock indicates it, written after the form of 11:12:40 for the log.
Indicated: 10:46:31
